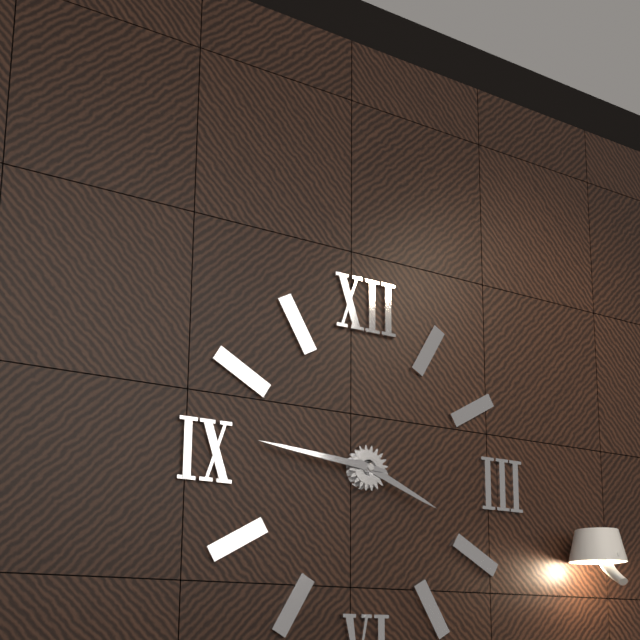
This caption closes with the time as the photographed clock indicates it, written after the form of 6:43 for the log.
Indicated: 3:46
